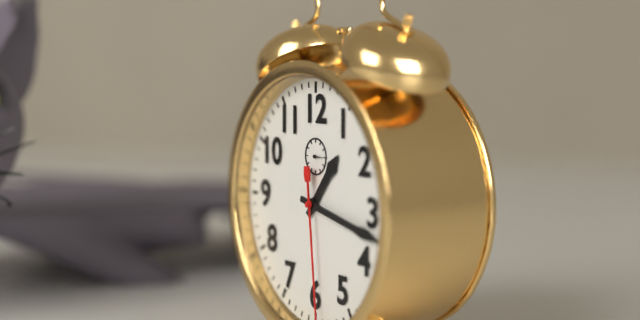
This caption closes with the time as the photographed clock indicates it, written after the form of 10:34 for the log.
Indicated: 1:17
